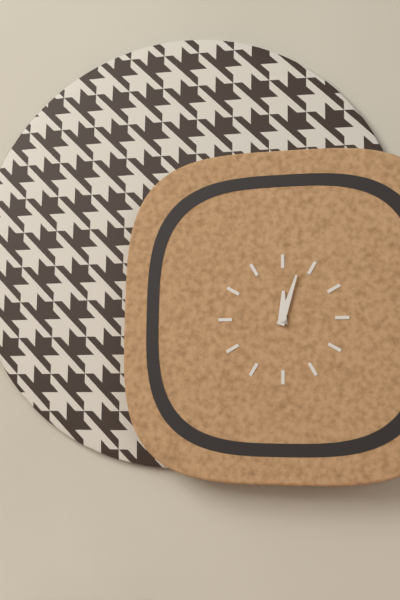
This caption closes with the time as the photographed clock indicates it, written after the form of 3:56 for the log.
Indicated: 12:03
